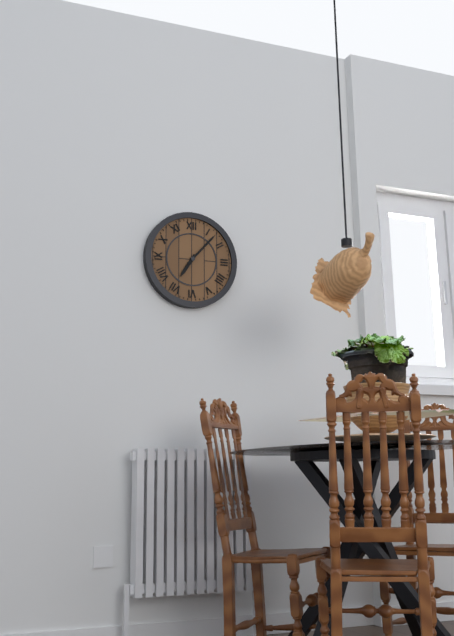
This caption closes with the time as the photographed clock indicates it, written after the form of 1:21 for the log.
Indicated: 7:07
